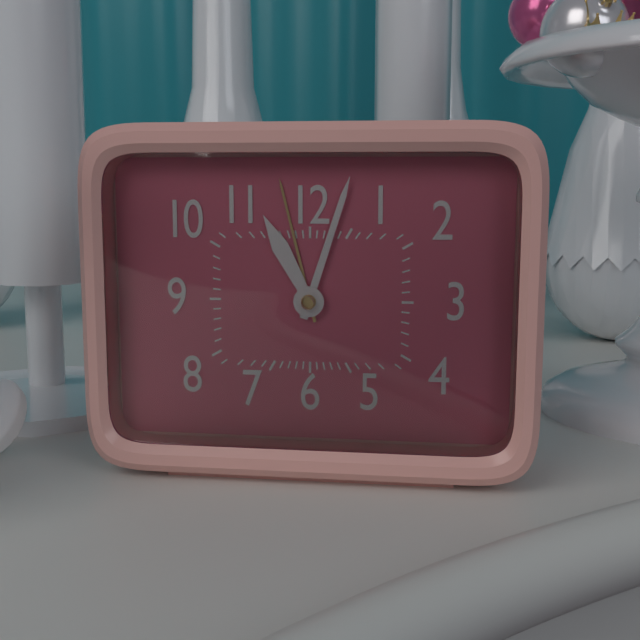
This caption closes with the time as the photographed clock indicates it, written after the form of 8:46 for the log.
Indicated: 11:03
